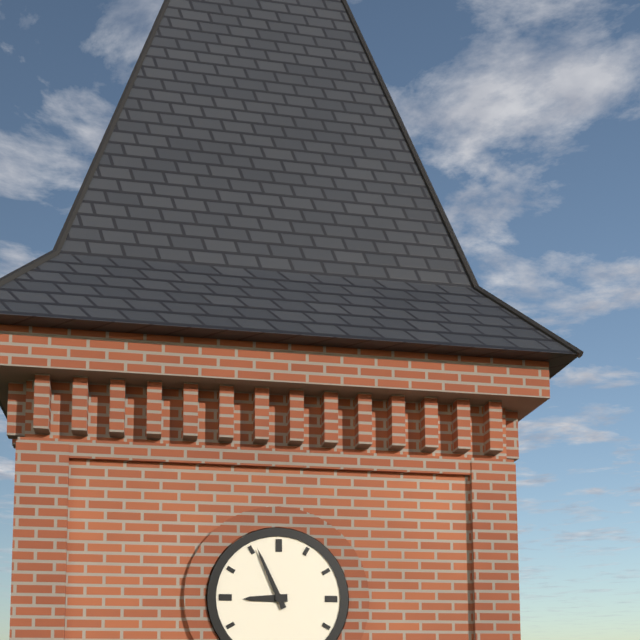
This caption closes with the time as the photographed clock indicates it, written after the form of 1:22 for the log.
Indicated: 8:56
